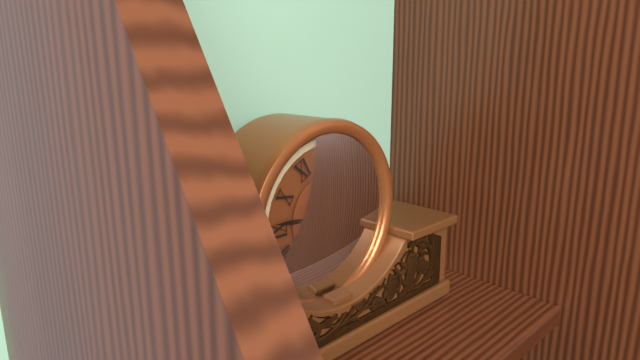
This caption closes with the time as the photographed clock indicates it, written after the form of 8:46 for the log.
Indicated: 2:46
